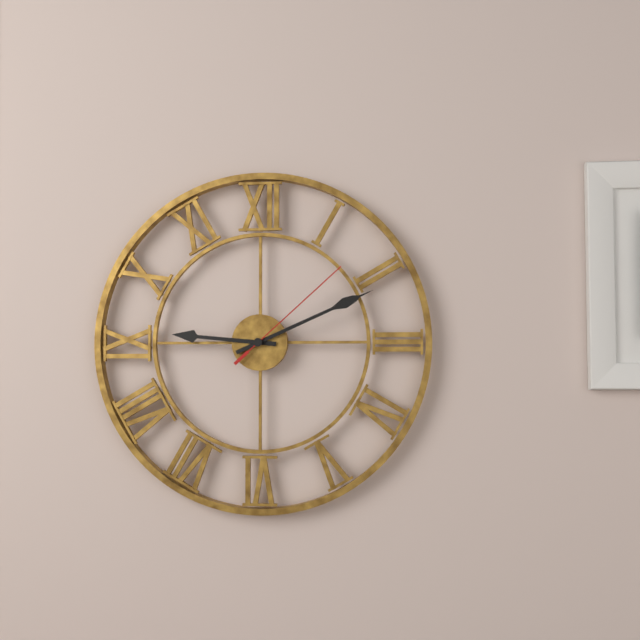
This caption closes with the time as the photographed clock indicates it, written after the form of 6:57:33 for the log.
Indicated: 9:11:08
